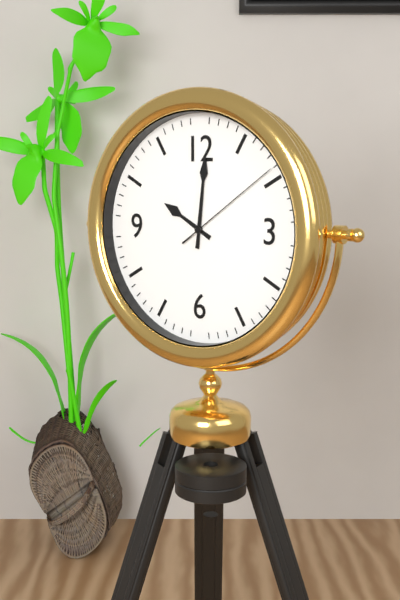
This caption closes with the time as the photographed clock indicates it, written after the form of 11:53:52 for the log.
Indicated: 10:01:09
